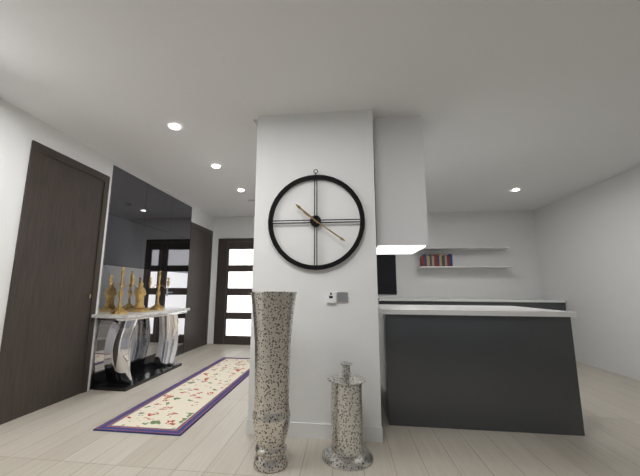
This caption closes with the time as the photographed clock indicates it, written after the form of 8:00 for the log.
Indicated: 10:21
